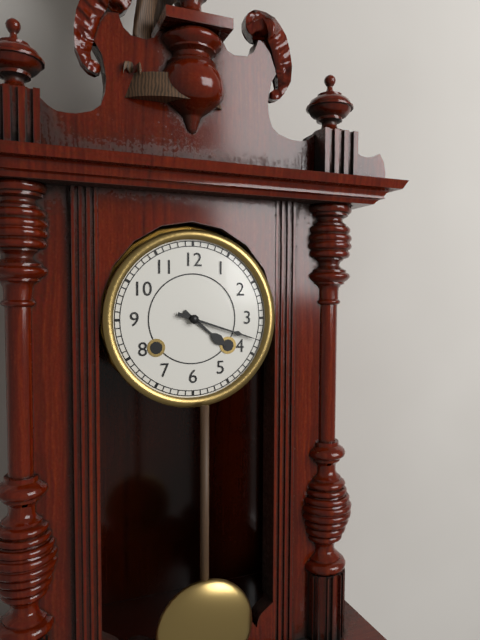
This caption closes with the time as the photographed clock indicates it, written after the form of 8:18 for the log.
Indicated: 4:18
